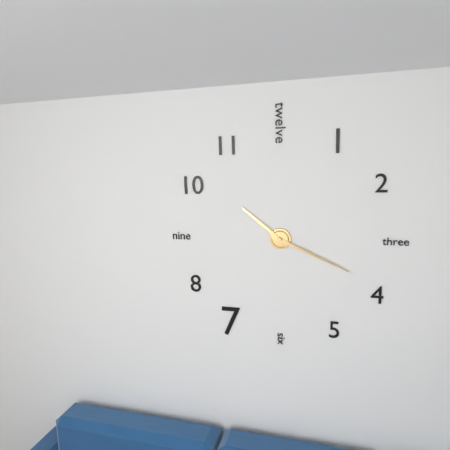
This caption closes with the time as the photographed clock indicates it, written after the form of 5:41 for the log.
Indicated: 10:19
